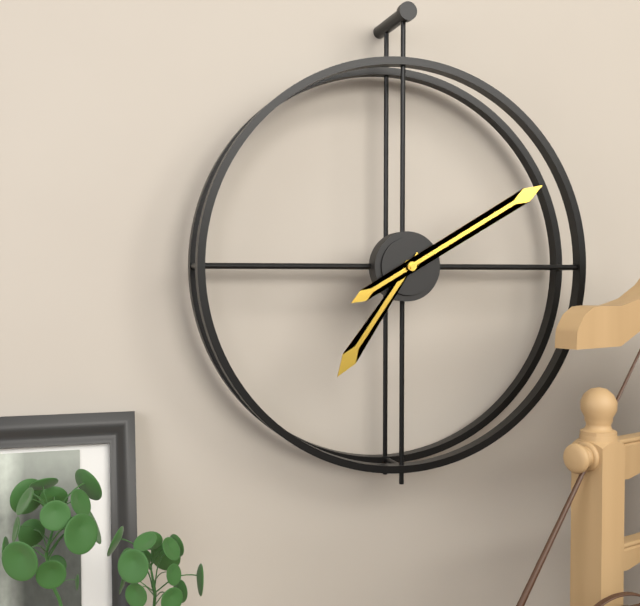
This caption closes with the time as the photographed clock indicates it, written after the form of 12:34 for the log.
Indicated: 7:10
